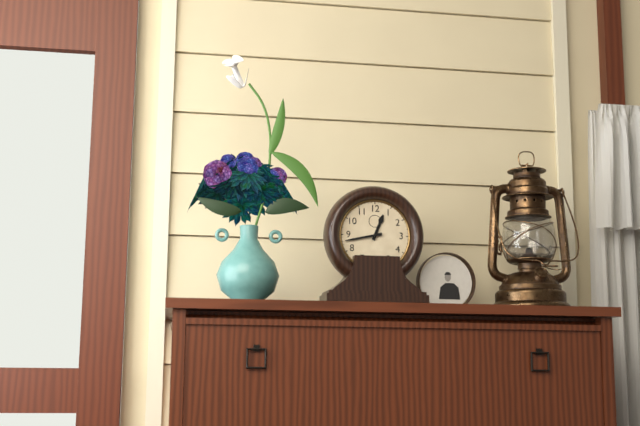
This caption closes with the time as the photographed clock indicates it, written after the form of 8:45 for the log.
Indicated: 12:43
